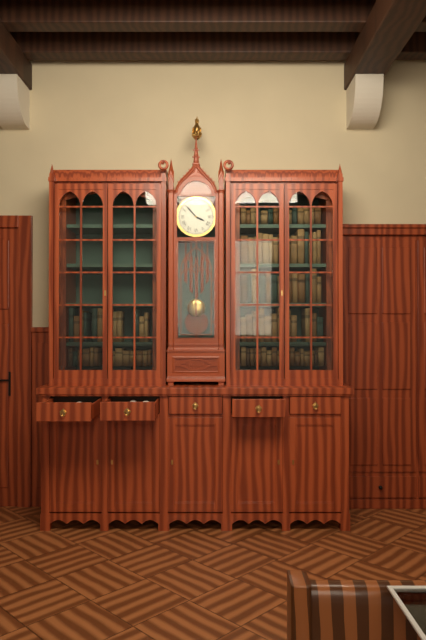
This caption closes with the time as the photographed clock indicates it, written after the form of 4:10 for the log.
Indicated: 3:53
